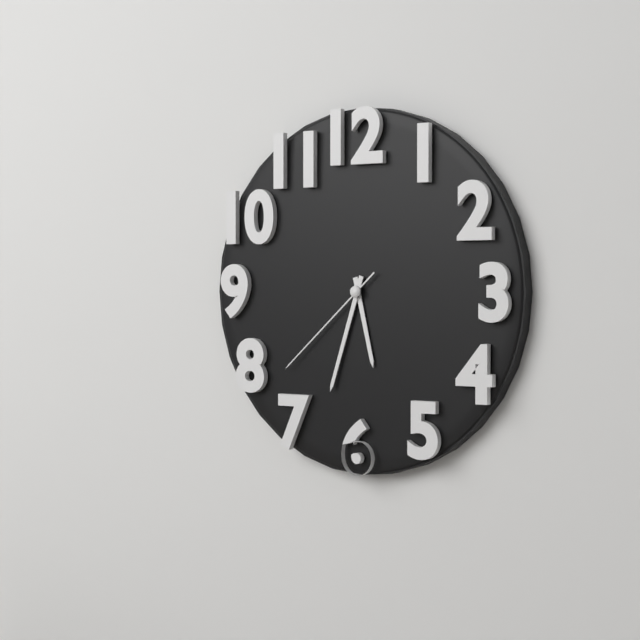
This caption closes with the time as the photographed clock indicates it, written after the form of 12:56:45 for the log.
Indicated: 5:33:38
